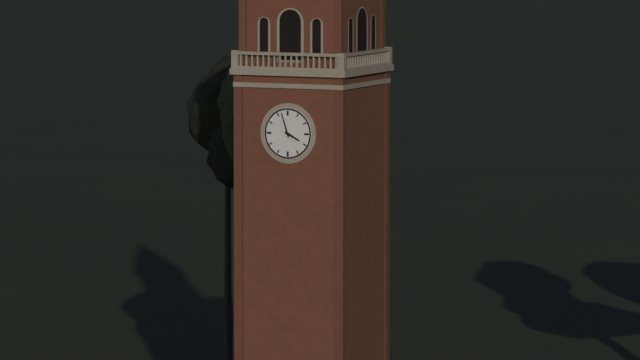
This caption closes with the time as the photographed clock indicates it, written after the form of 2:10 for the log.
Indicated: 3:57
